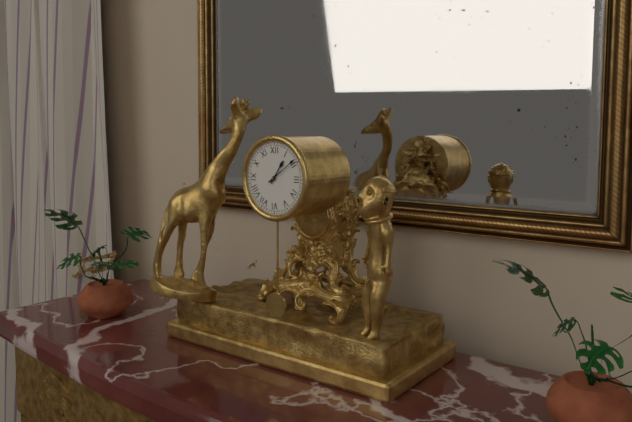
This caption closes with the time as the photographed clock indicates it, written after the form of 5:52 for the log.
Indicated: 1:09
